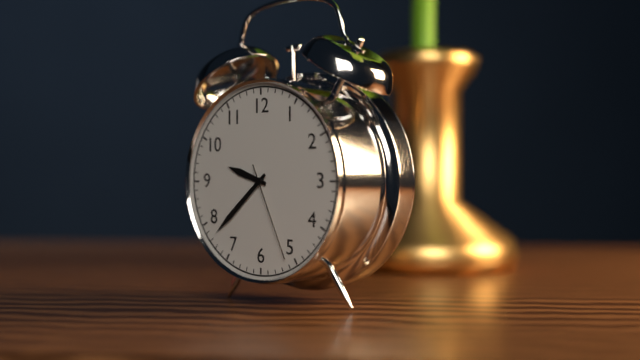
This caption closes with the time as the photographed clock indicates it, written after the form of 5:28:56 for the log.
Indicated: 9:38:26
